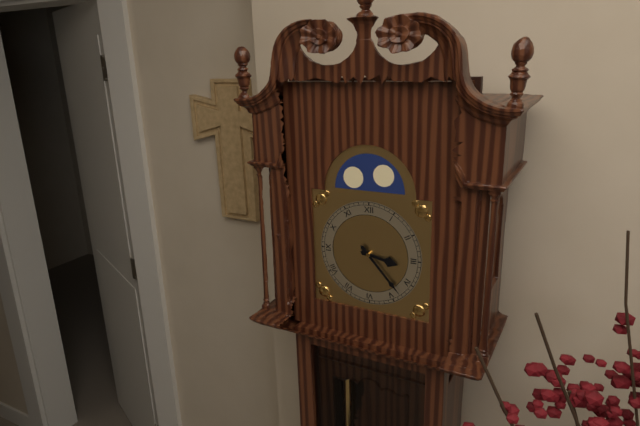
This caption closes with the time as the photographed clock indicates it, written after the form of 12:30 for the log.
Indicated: 3:23
